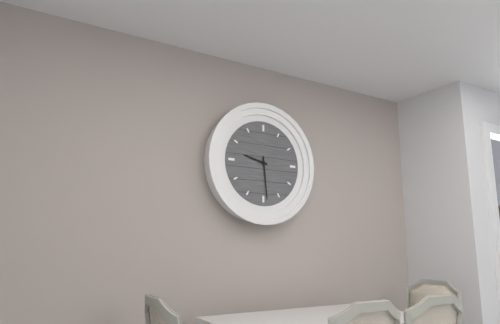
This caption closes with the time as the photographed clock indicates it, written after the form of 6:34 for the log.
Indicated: 9:29
